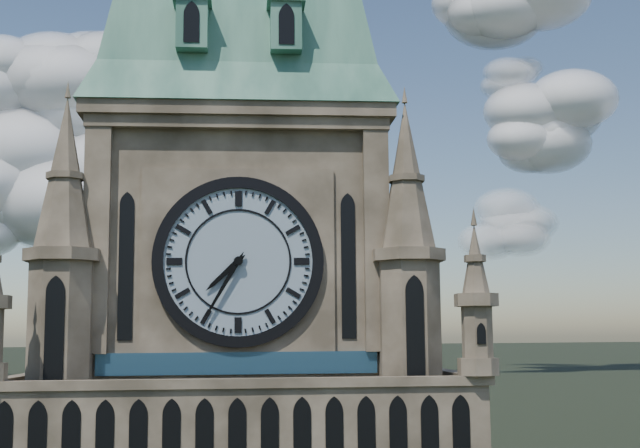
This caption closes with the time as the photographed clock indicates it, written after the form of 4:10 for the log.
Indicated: 7:35
